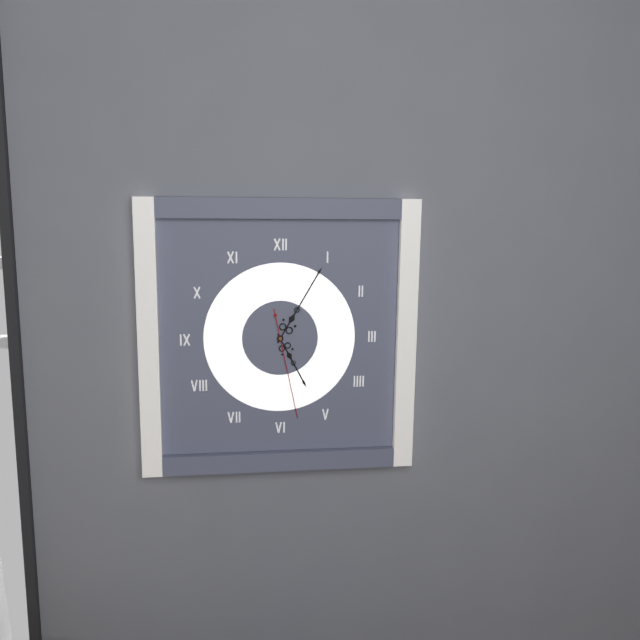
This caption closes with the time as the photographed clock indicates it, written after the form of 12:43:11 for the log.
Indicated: 5:05:28
